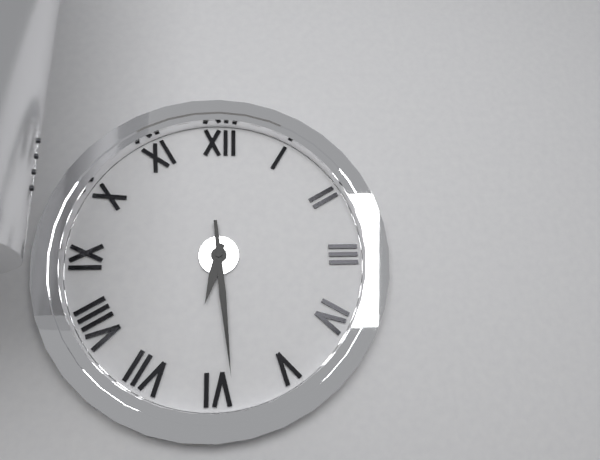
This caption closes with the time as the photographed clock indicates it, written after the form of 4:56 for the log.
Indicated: 6:29
